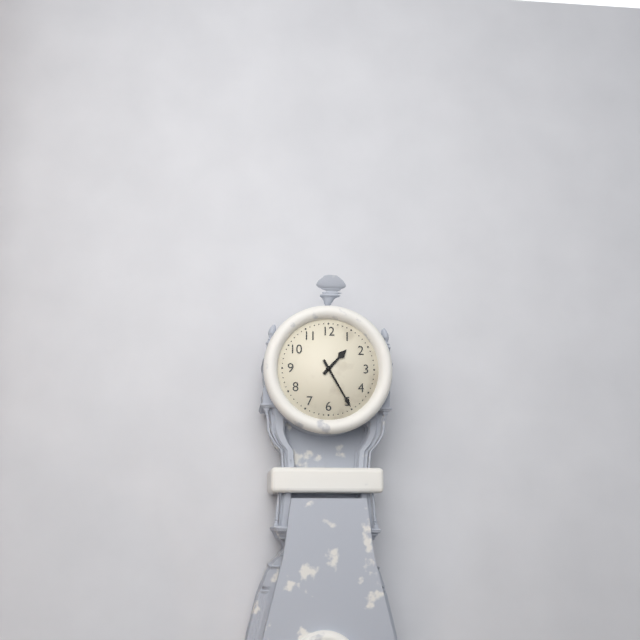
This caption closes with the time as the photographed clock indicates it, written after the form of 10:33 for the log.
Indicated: 1:25
